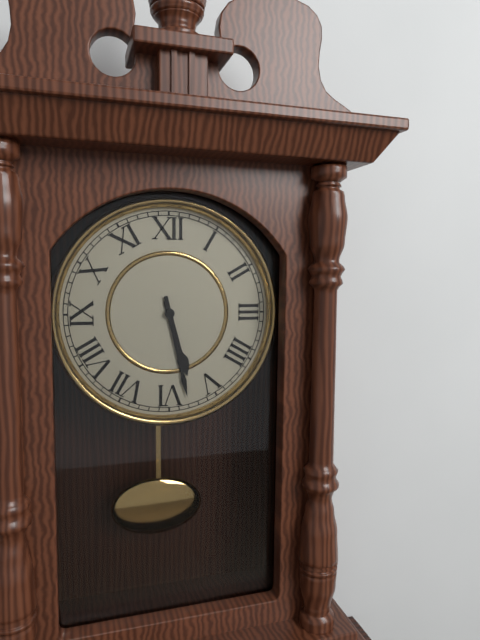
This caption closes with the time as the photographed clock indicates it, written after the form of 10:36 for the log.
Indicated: 5:28
